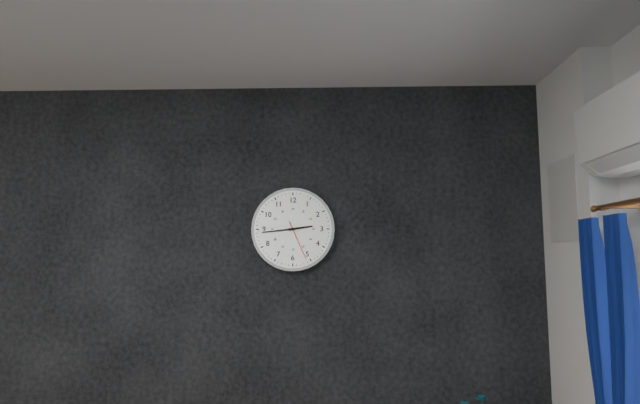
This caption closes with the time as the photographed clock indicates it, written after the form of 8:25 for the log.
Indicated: 2:44
